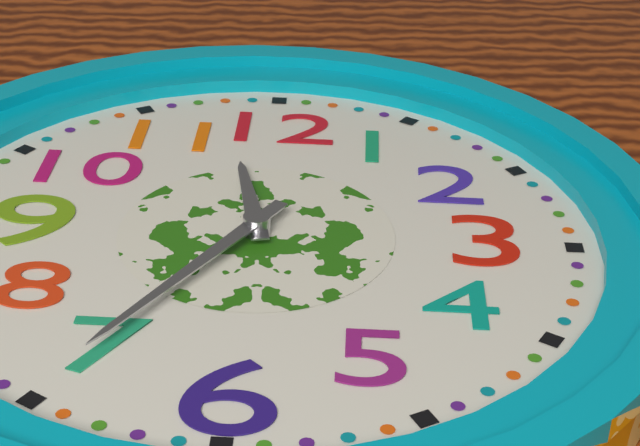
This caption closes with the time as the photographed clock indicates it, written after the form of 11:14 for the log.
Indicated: 11:35
